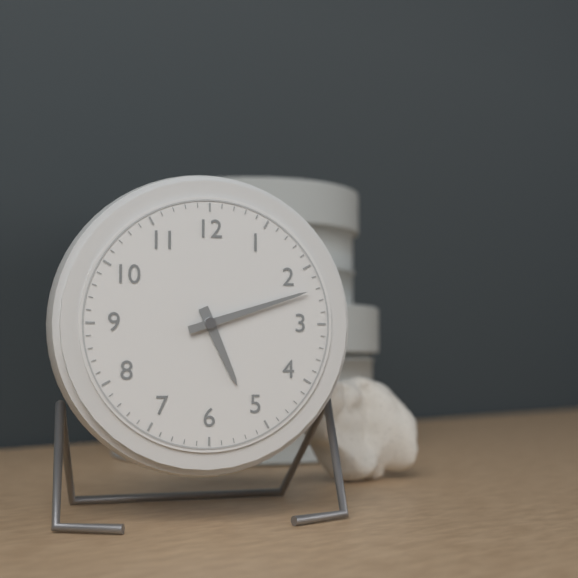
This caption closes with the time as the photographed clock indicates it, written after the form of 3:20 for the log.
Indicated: 5:12
